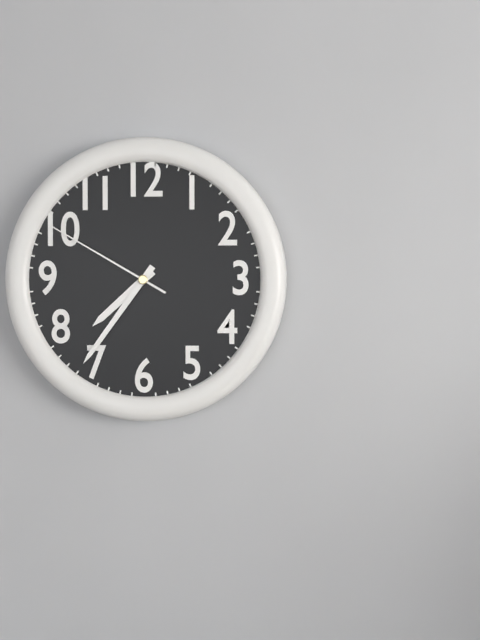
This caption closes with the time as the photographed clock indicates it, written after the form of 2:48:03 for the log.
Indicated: 7:36:50
